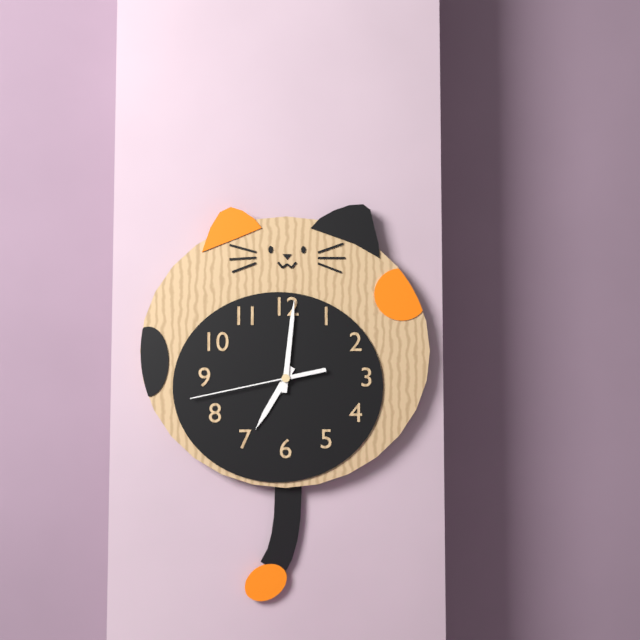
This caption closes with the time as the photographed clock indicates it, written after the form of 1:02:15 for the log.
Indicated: 7:01:43
